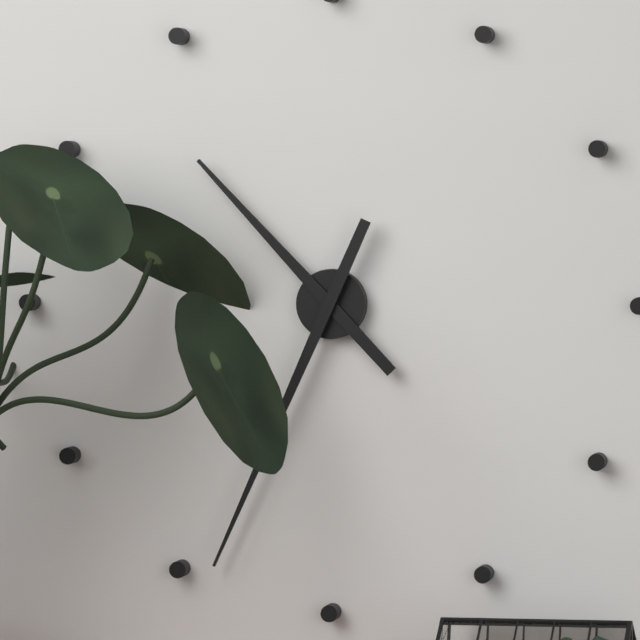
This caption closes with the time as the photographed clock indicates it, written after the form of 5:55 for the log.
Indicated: 10:34
